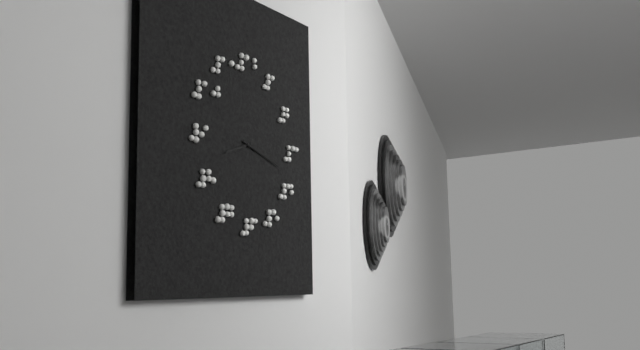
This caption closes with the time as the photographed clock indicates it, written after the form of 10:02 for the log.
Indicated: 8:18
